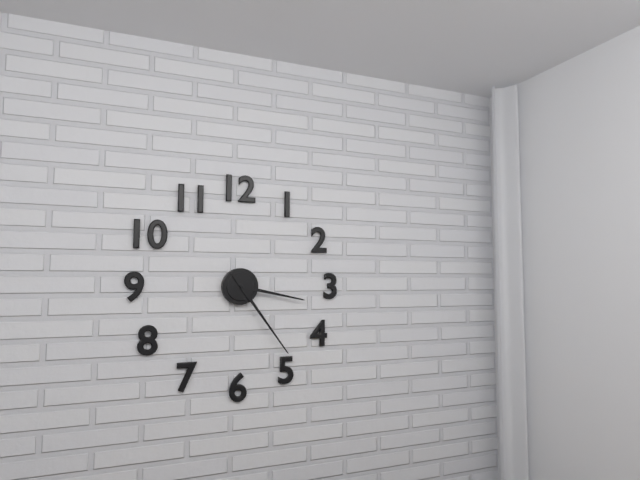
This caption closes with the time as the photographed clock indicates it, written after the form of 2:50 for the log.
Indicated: 3:24
